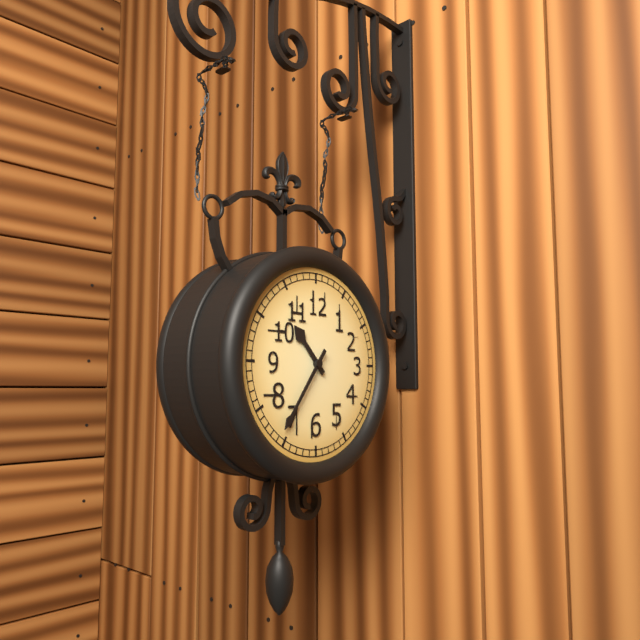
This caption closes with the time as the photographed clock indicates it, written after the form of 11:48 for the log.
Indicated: 10:36
